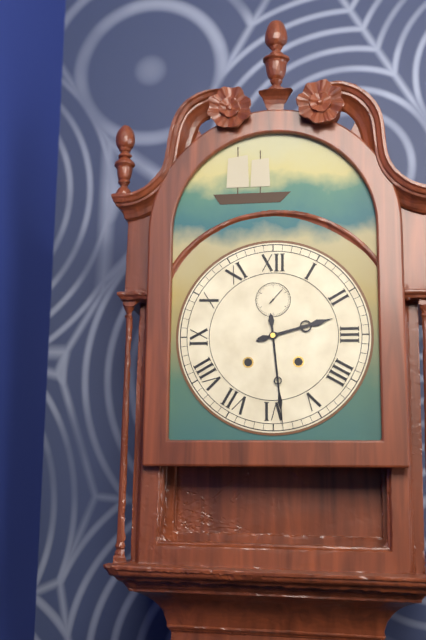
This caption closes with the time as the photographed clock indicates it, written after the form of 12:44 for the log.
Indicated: 2:29
